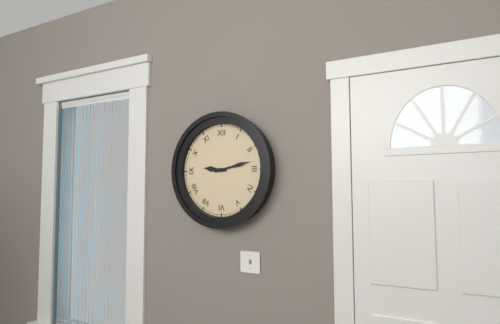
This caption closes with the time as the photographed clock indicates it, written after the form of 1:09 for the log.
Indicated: 9:13
